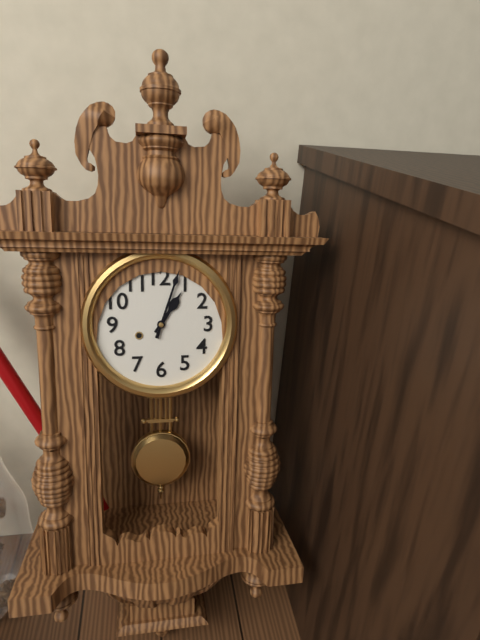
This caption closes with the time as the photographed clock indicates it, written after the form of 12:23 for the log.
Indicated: 1:03
